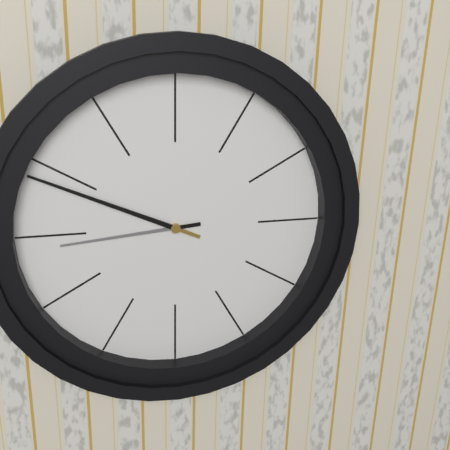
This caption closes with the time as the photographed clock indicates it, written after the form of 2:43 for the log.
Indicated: 8:49
